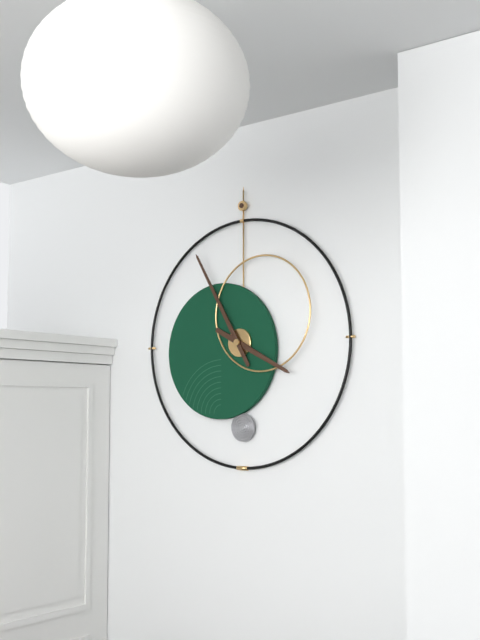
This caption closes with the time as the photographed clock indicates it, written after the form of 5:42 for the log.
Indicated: 3:55
